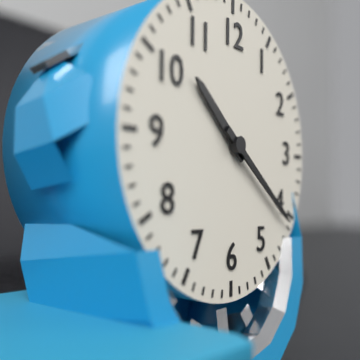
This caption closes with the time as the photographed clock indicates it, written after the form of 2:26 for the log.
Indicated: 10:21
